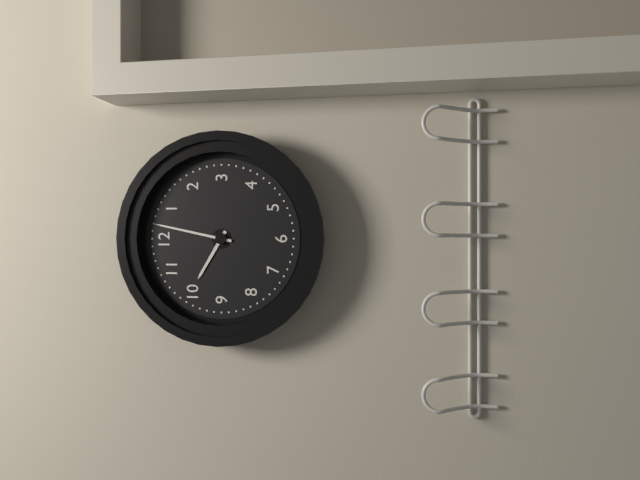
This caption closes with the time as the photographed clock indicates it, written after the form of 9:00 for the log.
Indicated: 10:02
